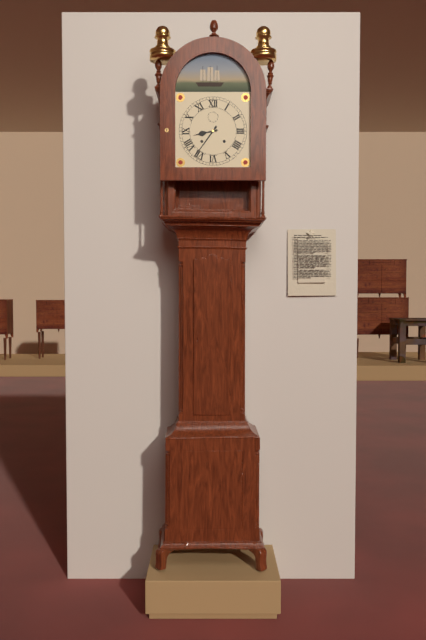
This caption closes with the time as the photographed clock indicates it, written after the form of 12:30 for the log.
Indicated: 8:36
